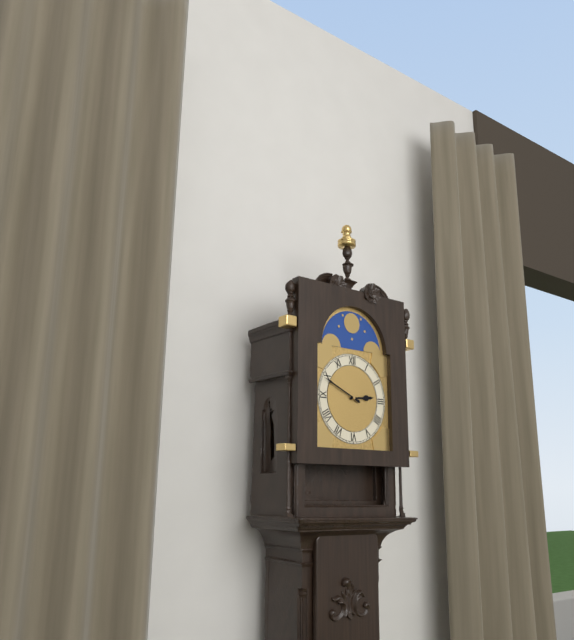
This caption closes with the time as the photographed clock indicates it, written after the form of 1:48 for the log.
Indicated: 2:49
